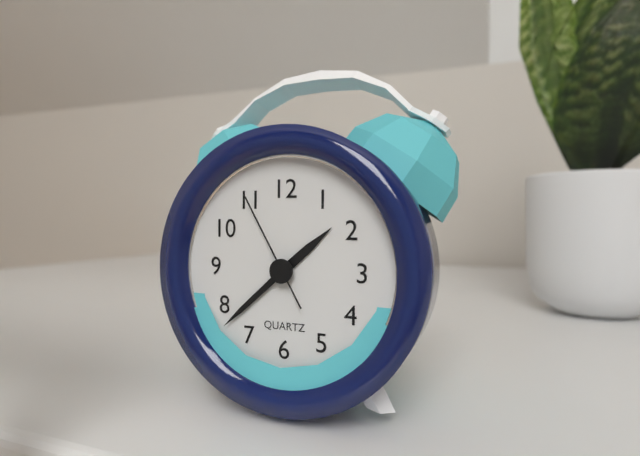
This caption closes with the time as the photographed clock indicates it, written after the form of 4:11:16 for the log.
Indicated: 1:38:55
